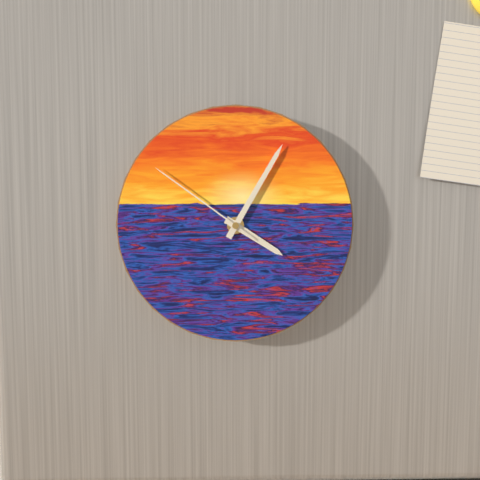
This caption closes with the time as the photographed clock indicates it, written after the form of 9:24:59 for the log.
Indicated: 4:05:51
